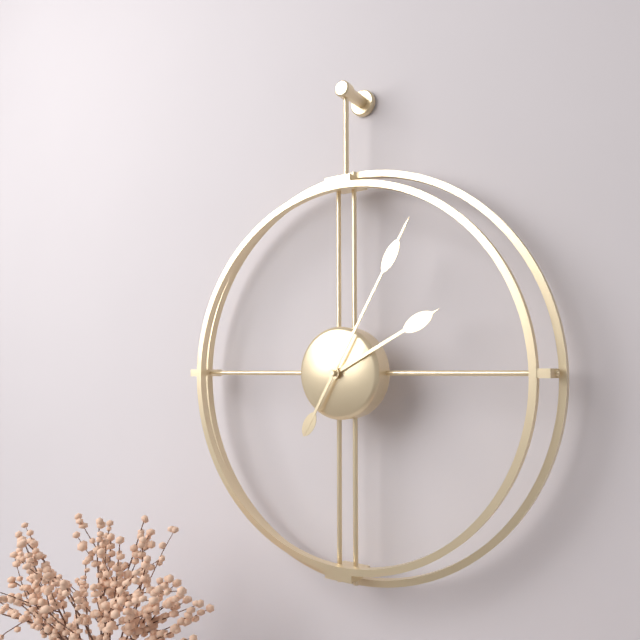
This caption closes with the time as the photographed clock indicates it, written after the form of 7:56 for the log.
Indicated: 2:05
